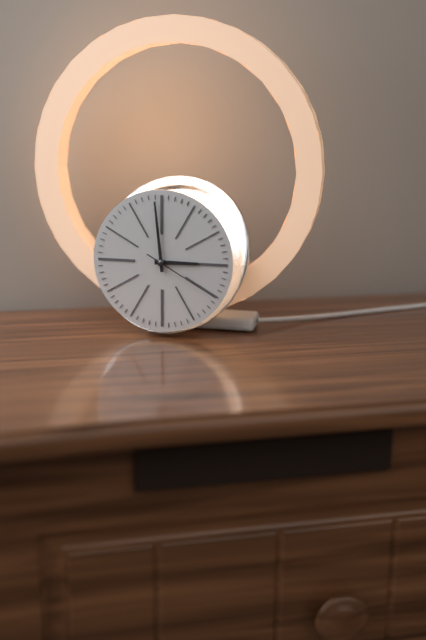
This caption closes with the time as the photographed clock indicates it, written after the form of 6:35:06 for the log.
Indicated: 2:59:20
